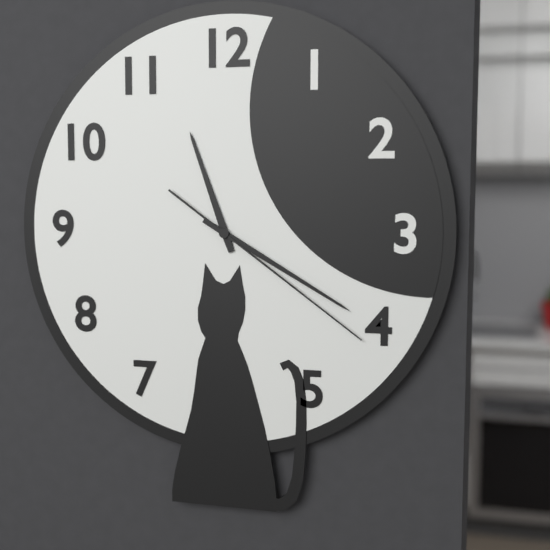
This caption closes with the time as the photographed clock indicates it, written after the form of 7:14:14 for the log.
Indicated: 11:20:21
